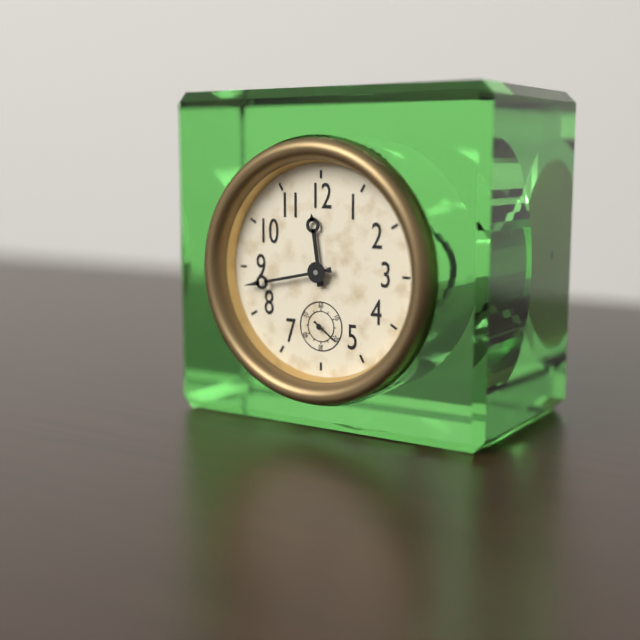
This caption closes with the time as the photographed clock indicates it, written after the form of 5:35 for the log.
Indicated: 11:43
